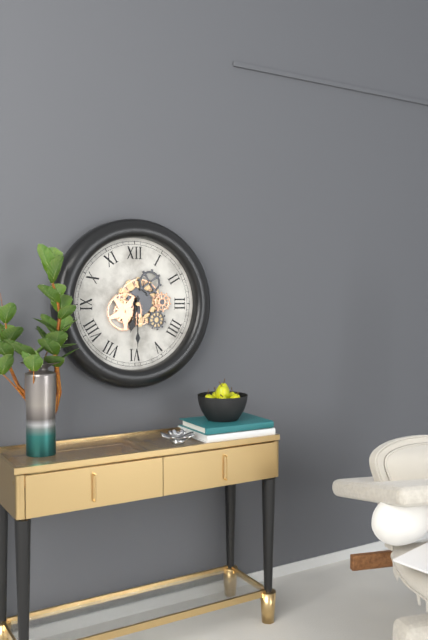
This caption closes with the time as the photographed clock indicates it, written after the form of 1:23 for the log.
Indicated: 6:30
